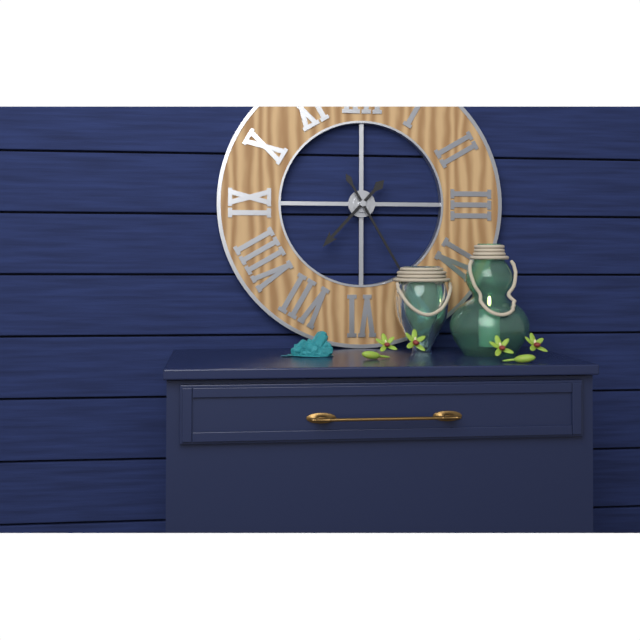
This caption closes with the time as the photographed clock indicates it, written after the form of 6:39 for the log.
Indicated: 7:25
